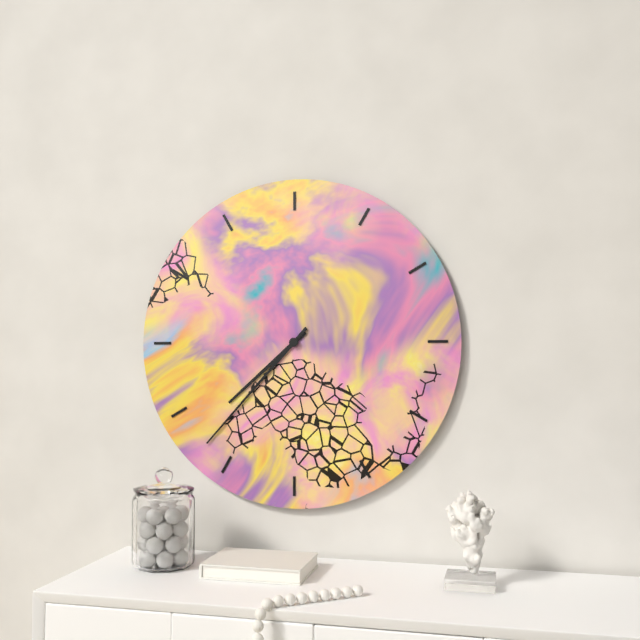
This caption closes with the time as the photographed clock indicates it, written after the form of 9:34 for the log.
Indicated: 7:37
